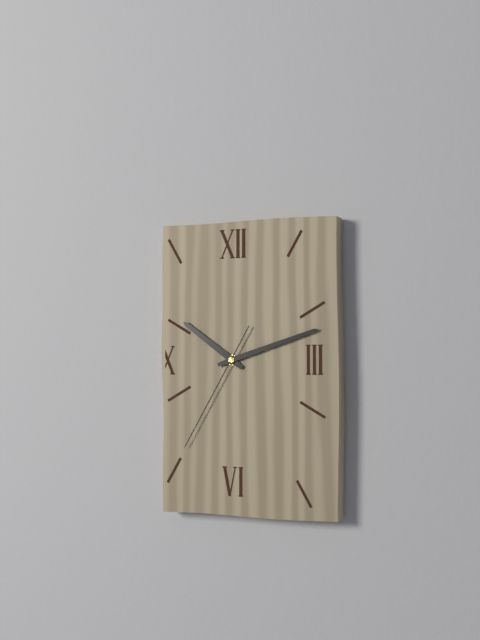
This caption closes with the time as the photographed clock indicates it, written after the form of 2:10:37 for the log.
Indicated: 10:12:35
